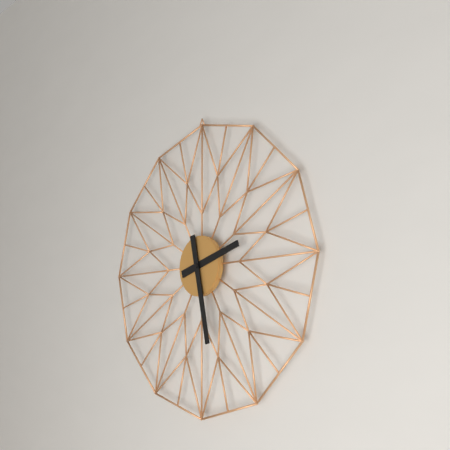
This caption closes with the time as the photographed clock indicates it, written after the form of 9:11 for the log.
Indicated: 2:28
